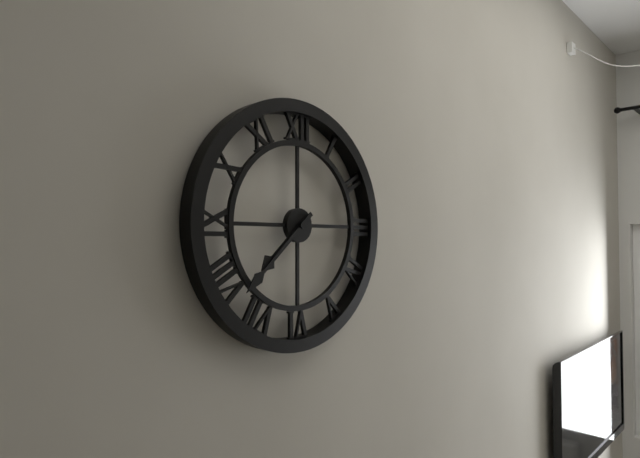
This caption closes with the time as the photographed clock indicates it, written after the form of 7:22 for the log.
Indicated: 7:38
